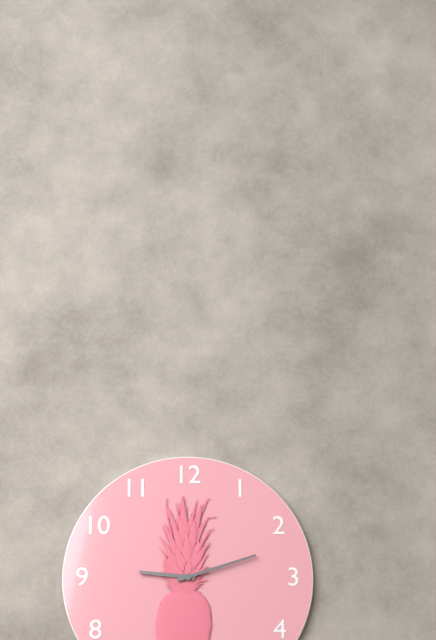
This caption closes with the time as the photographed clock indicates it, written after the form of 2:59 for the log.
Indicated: 9:12
